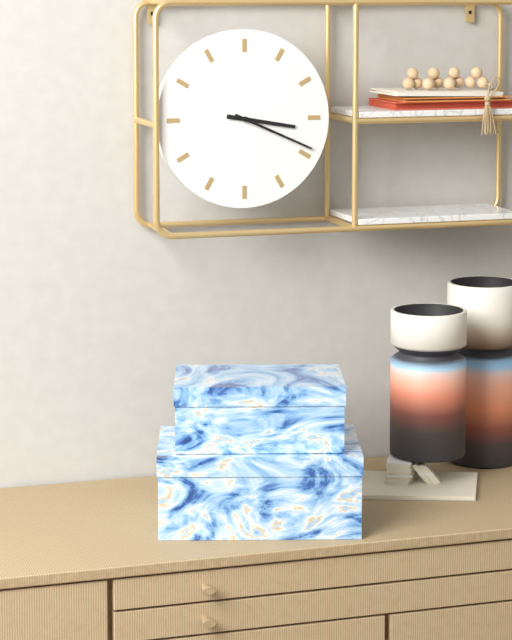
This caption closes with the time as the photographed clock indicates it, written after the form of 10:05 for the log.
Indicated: 3:19
